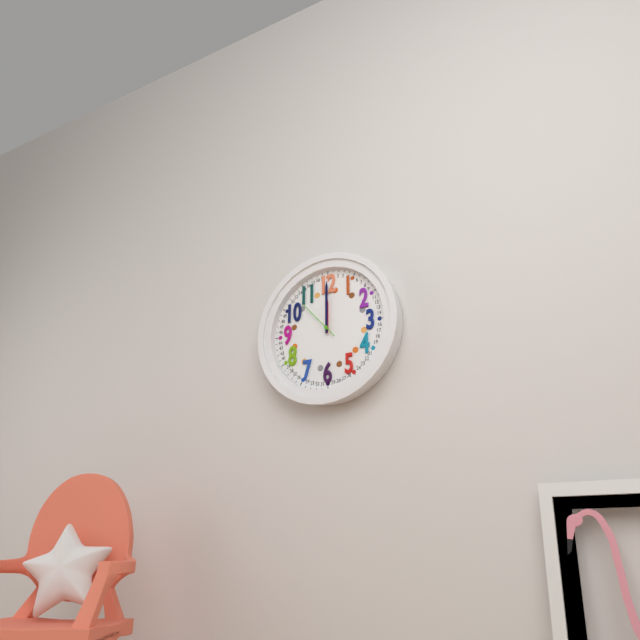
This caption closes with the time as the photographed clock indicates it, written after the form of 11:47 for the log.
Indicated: 12:00
